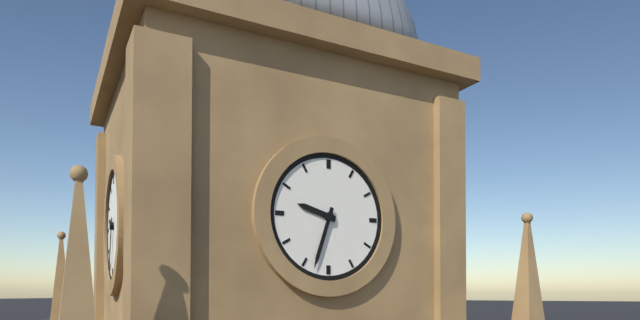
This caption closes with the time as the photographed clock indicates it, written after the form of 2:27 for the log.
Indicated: 9:33
